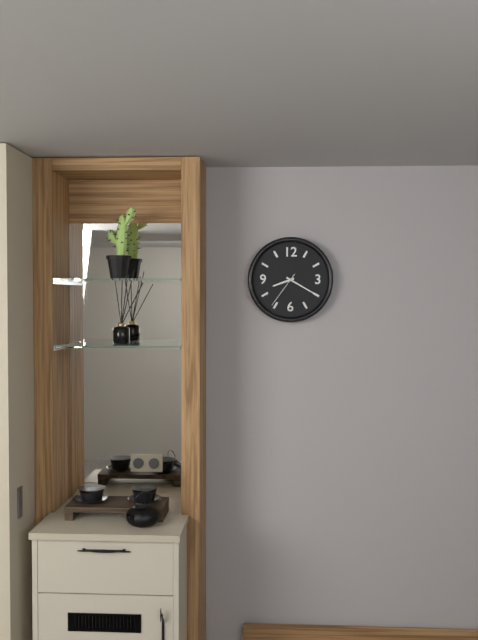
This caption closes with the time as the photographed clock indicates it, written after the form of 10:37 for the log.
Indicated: 8:20
